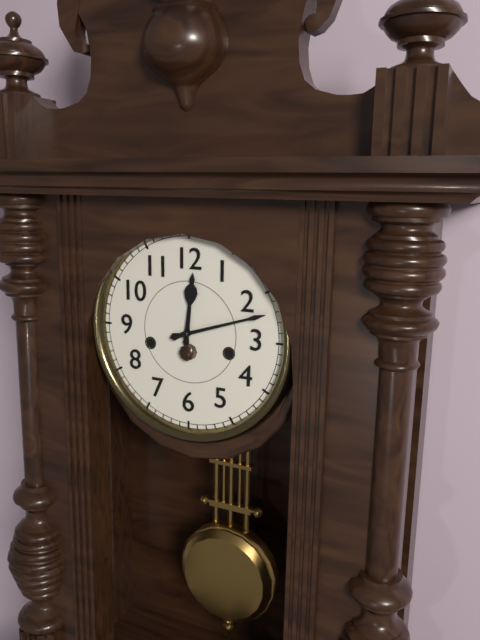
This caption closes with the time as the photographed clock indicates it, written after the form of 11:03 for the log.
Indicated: 12:12
